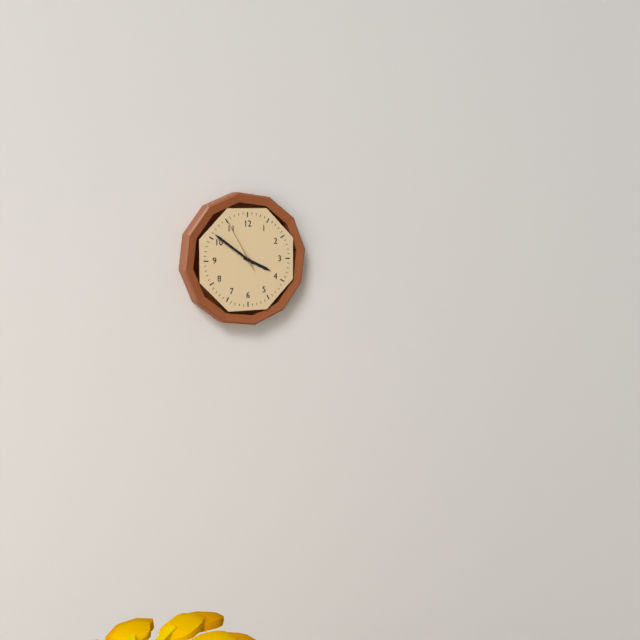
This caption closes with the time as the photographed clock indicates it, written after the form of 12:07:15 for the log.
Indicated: 3:51:55
